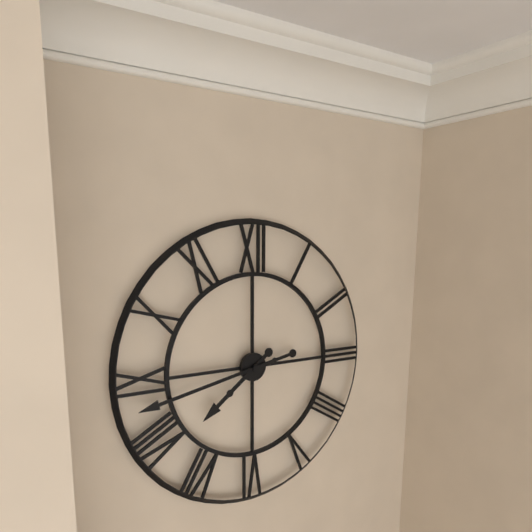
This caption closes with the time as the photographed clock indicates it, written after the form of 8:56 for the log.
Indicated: 7:43
